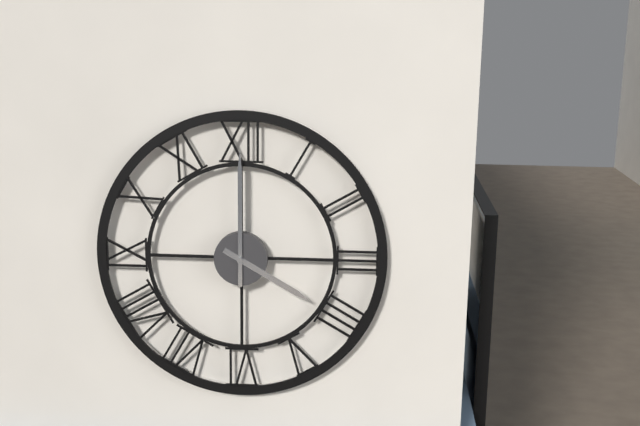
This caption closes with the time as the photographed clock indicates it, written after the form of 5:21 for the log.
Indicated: 4:00
